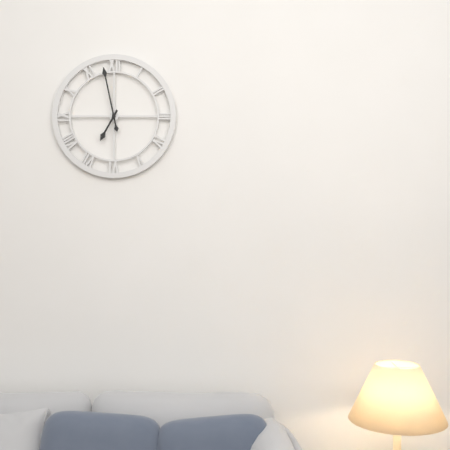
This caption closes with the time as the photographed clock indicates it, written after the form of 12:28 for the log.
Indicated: 6:58
